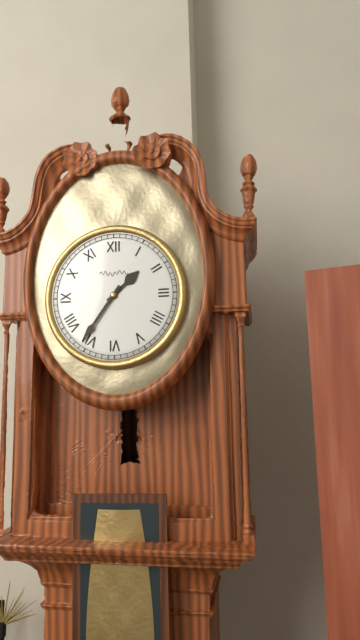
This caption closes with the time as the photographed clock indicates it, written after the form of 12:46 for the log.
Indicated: 1:36
